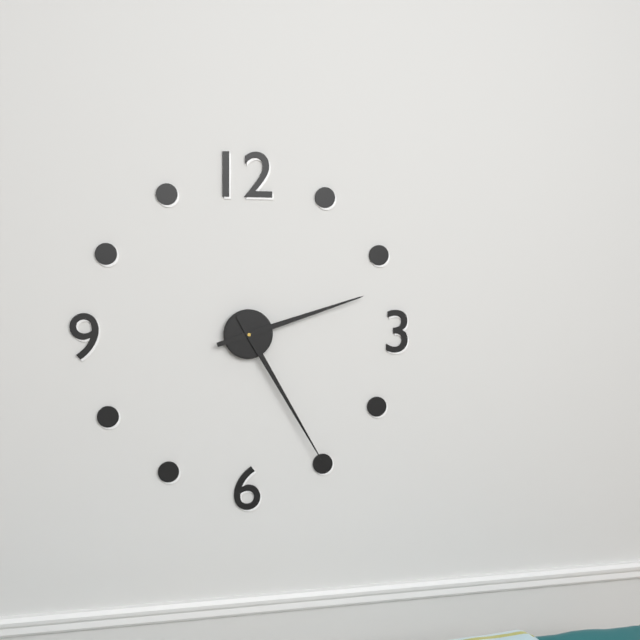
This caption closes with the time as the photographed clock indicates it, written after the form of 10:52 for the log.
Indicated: 2:25
